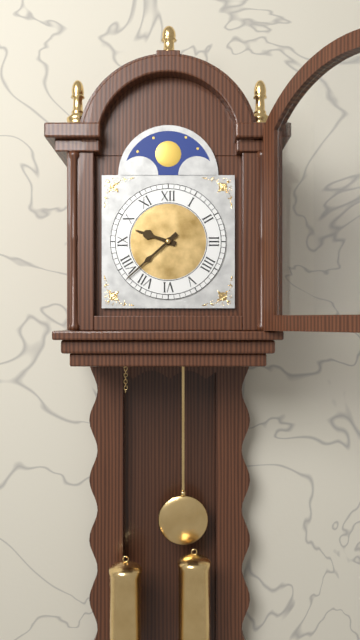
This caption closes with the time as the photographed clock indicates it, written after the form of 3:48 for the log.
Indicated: 9:38
